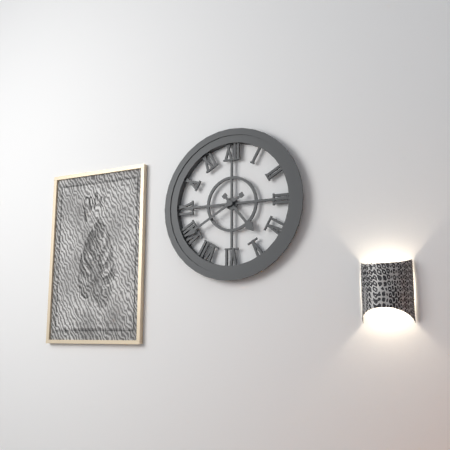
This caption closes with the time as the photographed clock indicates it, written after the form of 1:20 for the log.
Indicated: 4:40
